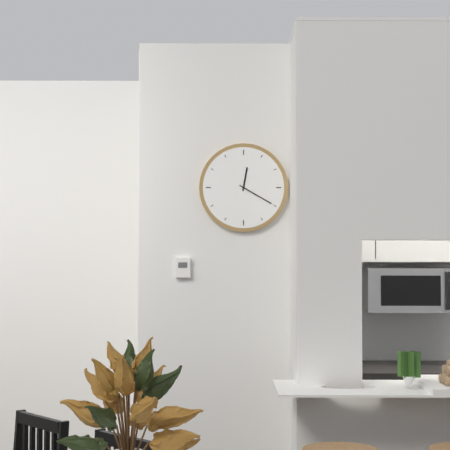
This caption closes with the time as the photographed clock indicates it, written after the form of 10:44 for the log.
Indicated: 12:20
